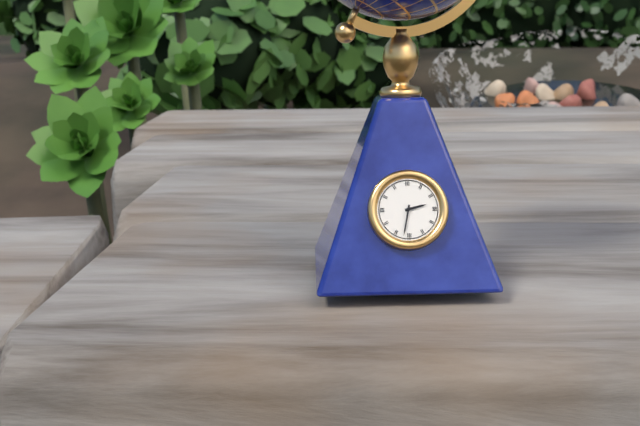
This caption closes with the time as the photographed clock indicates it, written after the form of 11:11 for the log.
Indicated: 2:32
